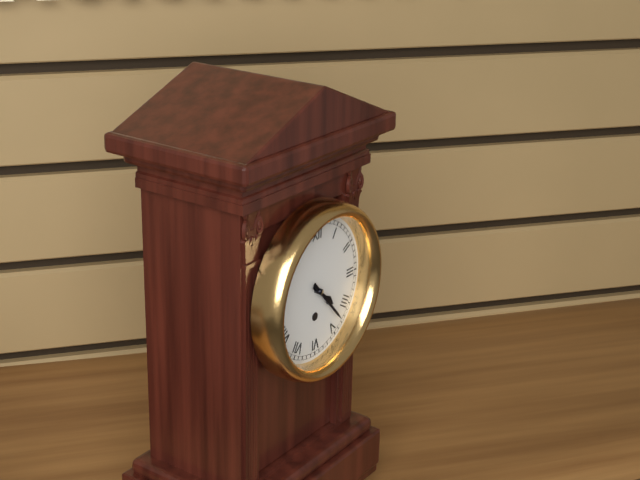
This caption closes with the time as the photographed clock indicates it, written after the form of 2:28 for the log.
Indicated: 4:23
